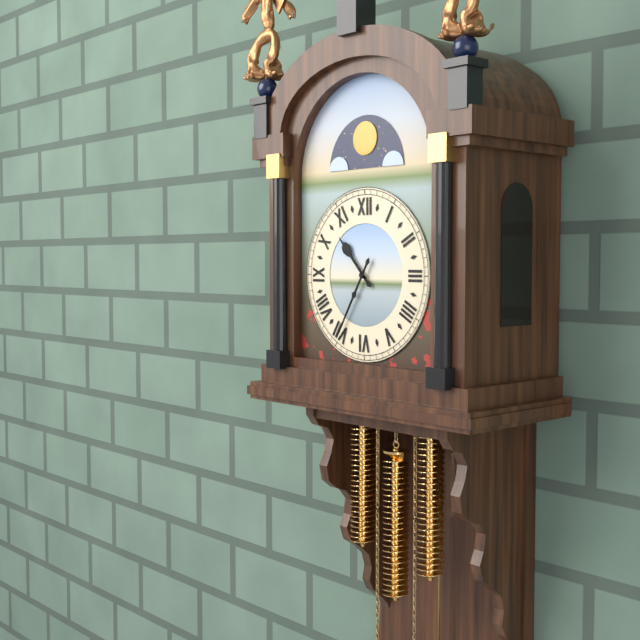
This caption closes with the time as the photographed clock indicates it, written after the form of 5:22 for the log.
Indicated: 10:35
